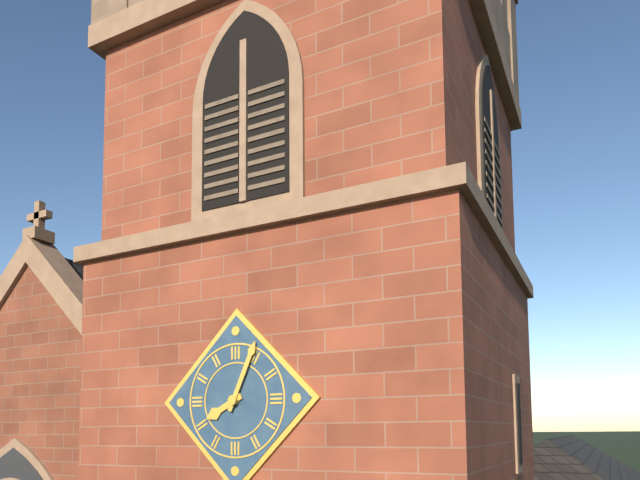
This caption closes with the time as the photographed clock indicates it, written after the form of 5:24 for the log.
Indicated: 8:04
